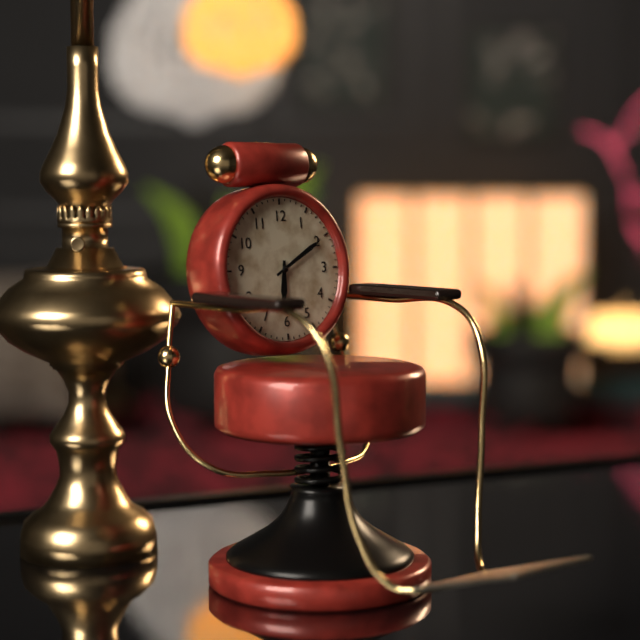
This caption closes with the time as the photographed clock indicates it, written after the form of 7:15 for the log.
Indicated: 6:10
